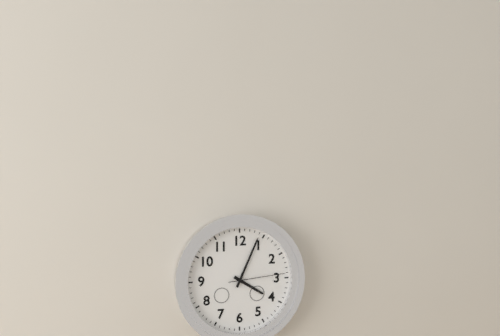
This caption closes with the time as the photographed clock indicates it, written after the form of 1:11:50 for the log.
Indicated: 4:04:14
